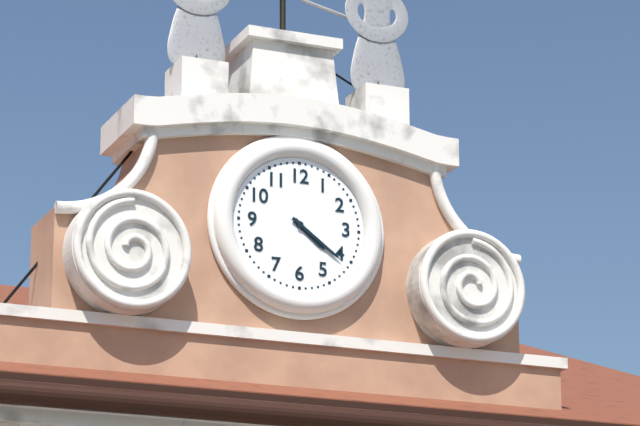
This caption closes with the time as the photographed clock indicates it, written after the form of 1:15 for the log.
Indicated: 4:21
